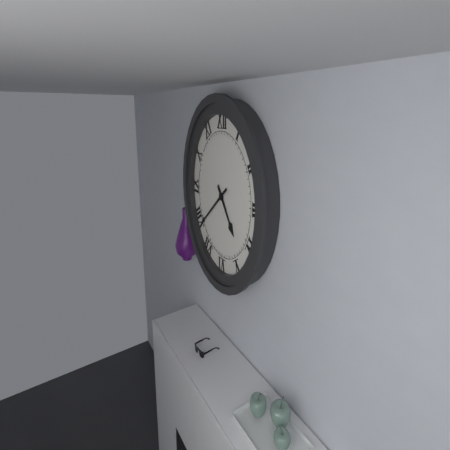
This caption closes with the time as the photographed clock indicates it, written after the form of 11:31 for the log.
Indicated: 4:39
